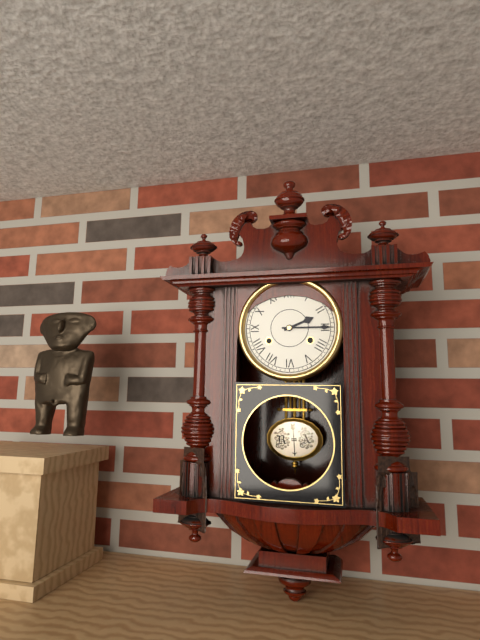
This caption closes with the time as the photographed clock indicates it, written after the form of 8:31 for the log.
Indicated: 2:15
